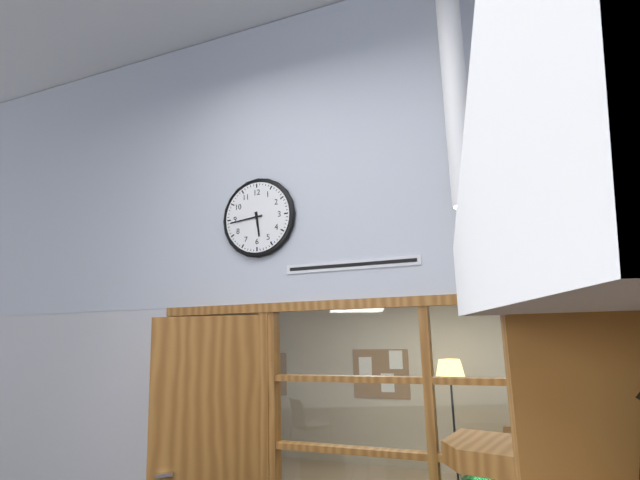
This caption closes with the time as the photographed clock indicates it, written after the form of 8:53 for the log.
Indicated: 5:44
